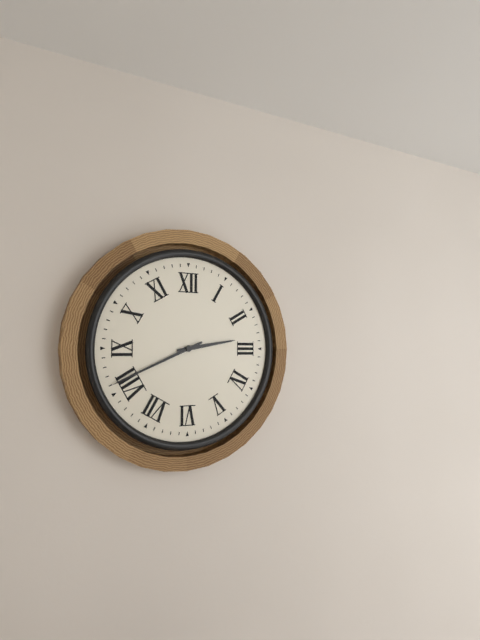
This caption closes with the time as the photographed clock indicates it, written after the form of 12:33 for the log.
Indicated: 2:41
